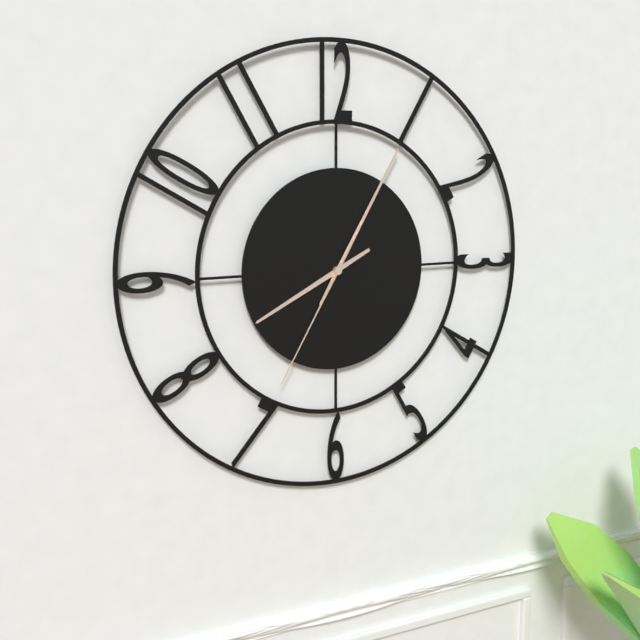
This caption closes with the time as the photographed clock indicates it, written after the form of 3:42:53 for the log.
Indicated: 8:05:35
